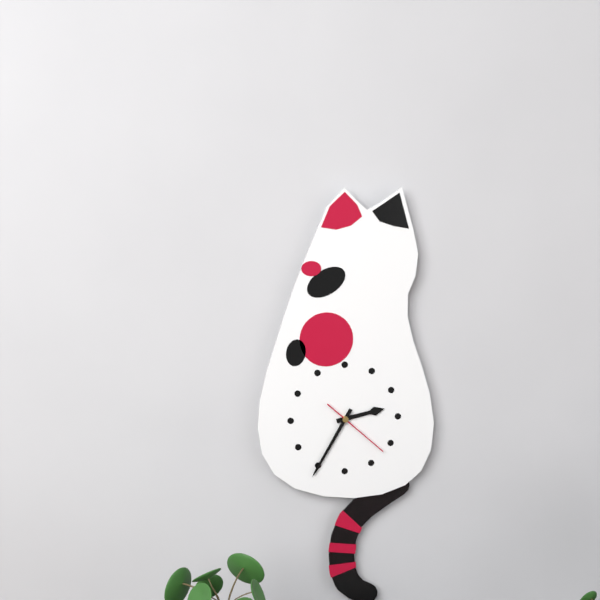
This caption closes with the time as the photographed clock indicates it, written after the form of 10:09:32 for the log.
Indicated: 2:35:22
